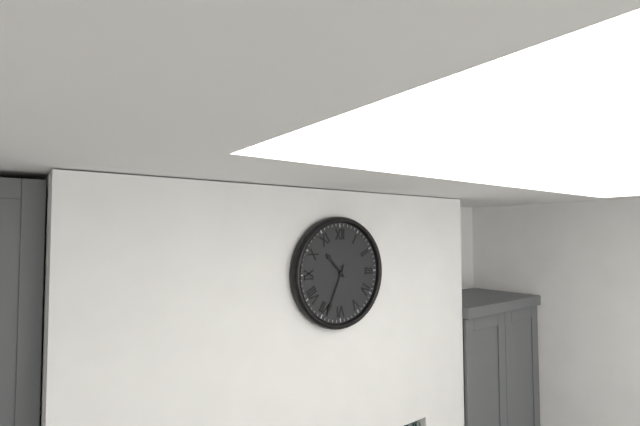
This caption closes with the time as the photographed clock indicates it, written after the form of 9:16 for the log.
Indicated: 10:34
